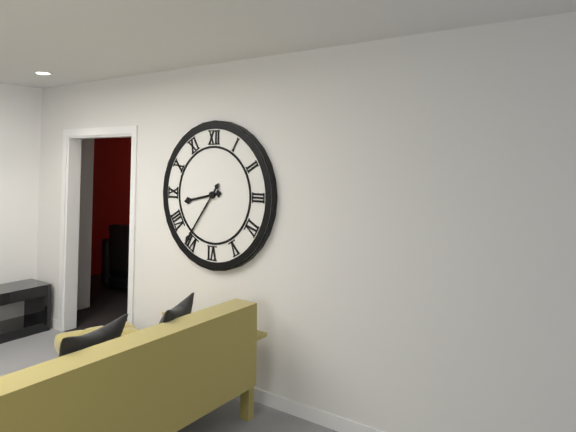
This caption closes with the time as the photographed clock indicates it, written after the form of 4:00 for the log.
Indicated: 8:36
